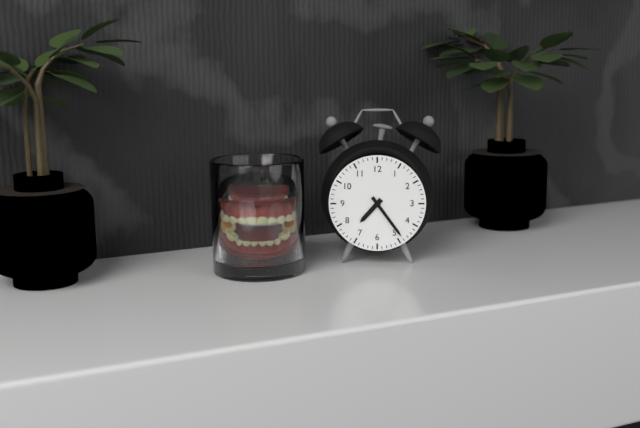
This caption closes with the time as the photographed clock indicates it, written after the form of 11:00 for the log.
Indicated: 7:24
